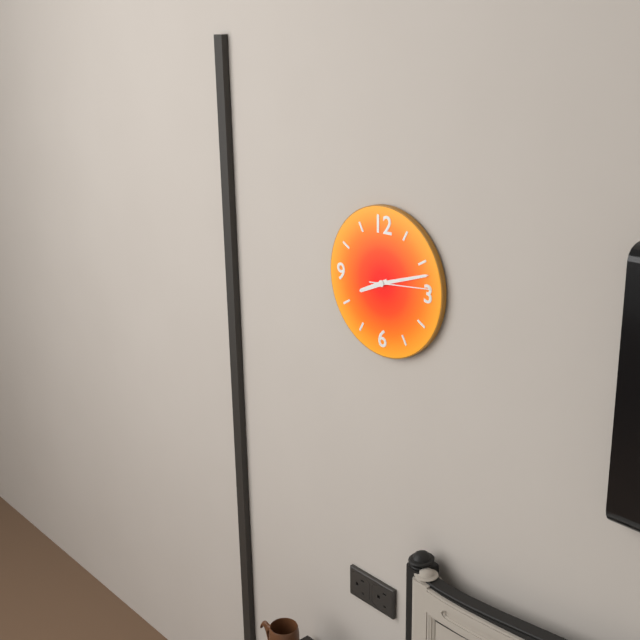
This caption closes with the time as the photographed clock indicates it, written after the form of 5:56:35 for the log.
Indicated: 8:12:14
